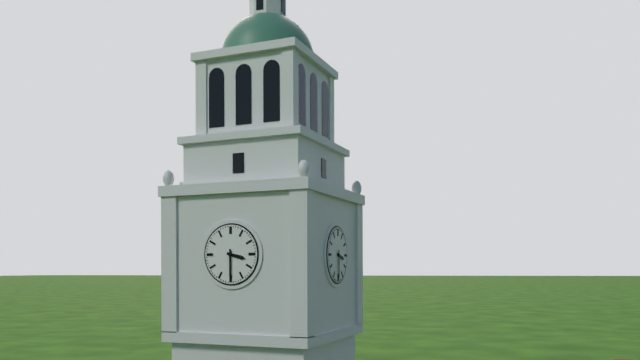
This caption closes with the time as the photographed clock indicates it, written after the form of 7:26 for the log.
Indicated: 3:30
